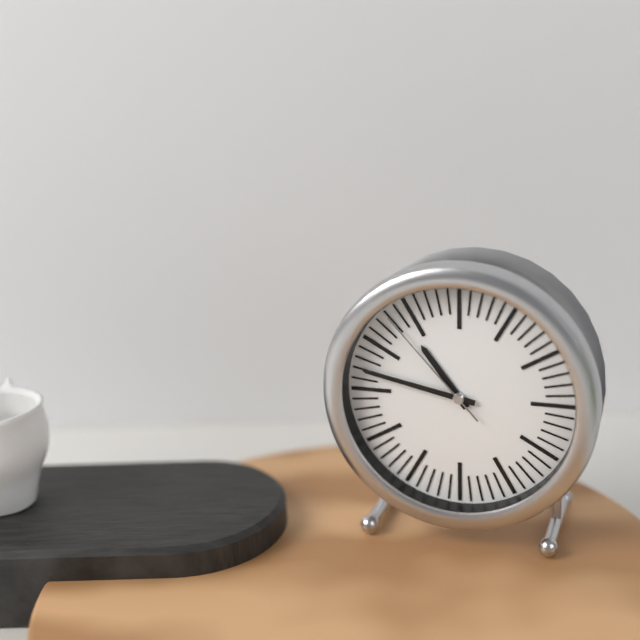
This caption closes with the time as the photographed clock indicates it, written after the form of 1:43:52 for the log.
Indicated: 10:47:53
